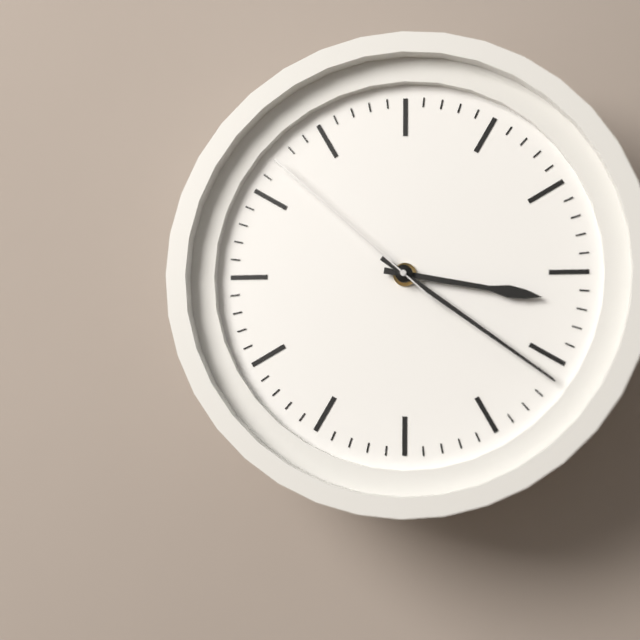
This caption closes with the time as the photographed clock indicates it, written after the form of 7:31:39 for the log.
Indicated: 3:21:52
